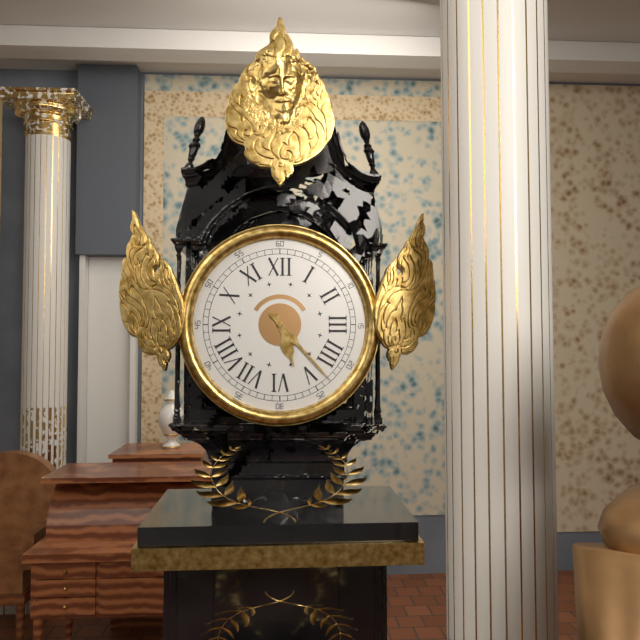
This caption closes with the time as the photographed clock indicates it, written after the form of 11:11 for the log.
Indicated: 5:23
